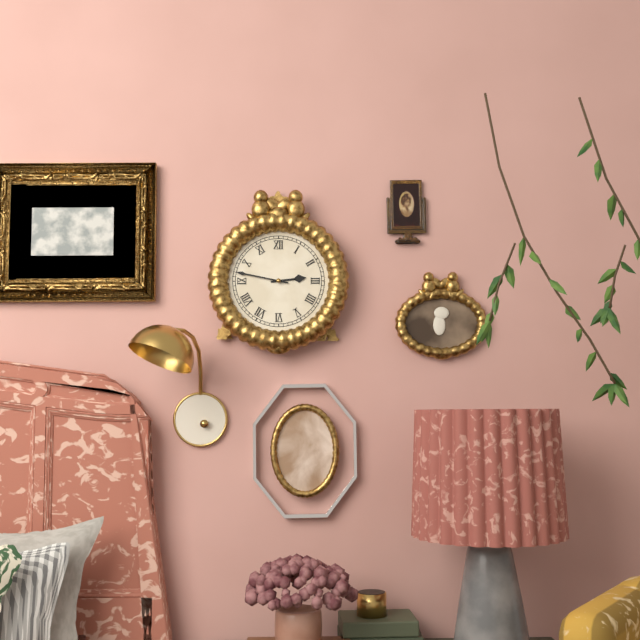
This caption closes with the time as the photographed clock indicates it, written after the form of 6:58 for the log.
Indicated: 2:47
